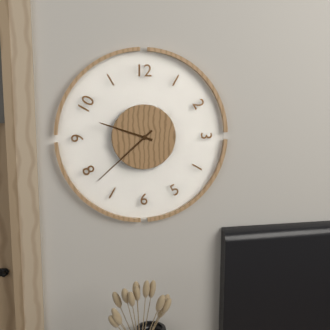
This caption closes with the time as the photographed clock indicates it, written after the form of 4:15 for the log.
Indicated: 9:38
